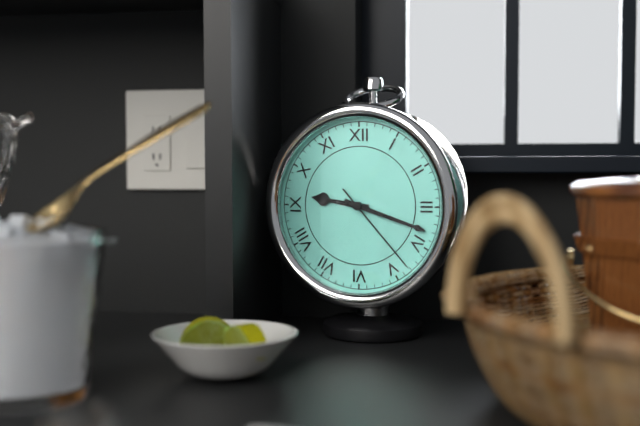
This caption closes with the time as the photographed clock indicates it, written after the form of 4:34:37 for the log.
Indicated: 9:18:23
